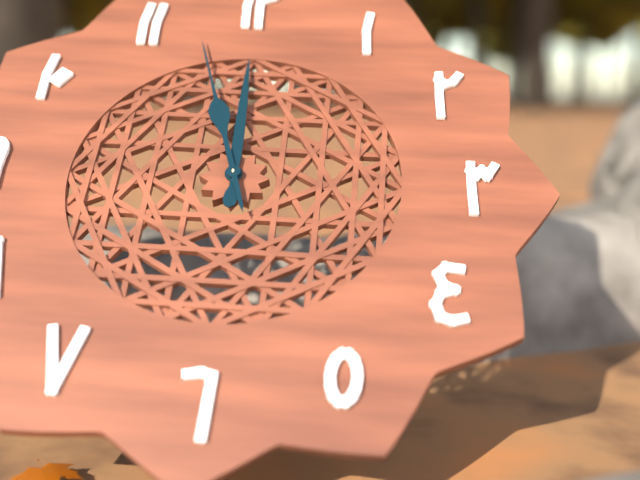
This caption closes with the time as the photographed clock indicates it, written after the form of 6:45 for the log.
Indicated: 11:57
